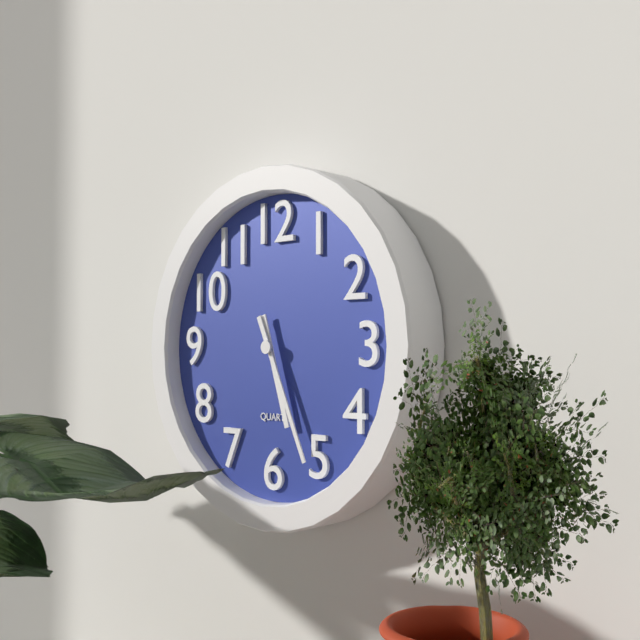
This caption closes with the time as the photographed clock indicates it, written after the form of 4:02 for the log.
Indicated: 5:26
